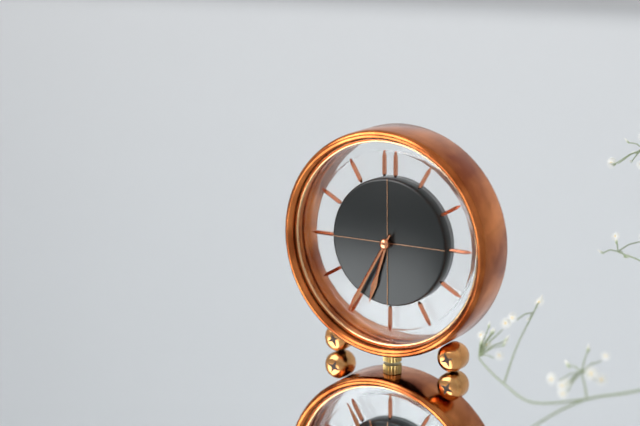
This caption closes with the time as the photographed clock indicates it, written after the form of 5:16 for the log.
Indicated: 6:35
